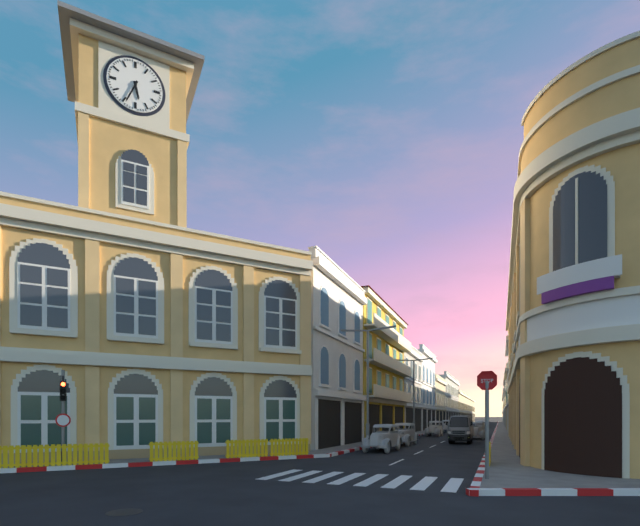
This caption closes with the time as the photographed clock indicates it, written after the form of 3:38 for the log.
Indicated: 5:34
